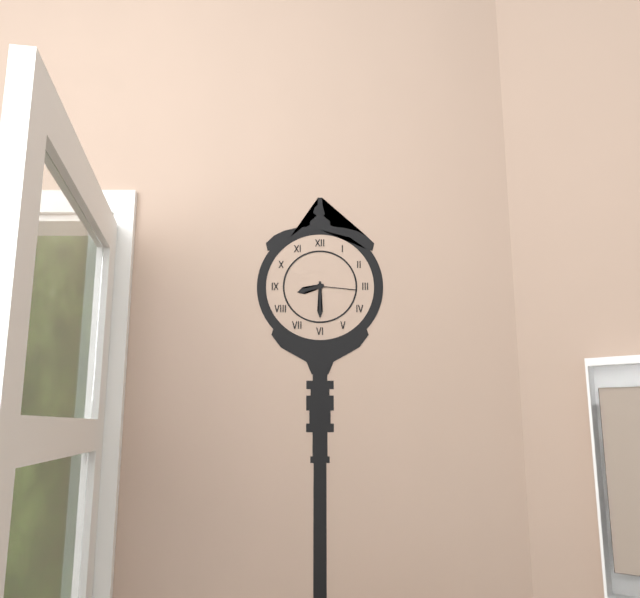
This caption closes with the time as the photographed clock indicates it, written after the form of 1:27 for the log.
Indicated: 8:30
